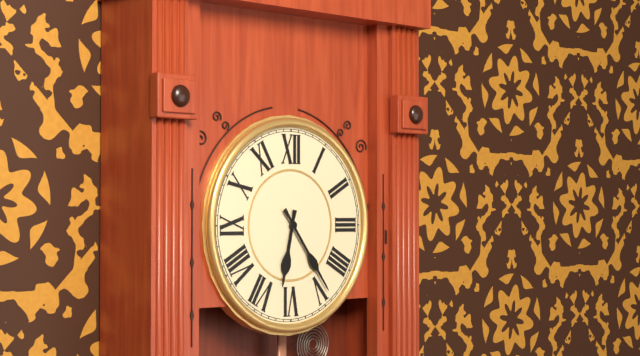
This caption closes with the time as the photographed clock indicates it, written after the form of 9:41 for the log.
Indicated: 6:24
